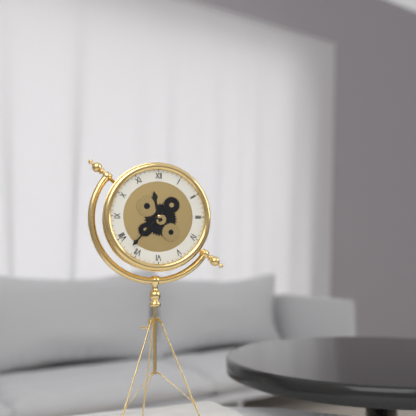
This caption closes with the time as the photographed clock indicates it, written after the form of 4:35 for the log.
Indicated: 11:37
